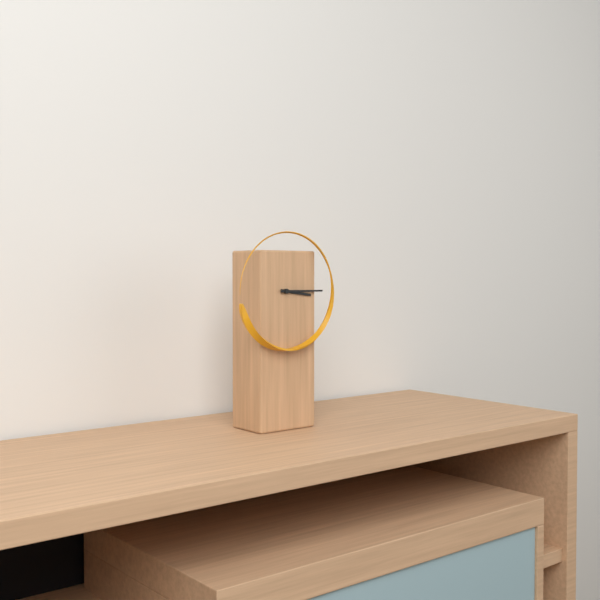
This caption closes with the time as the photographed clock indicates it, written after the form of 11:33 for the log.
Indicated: 3:15
